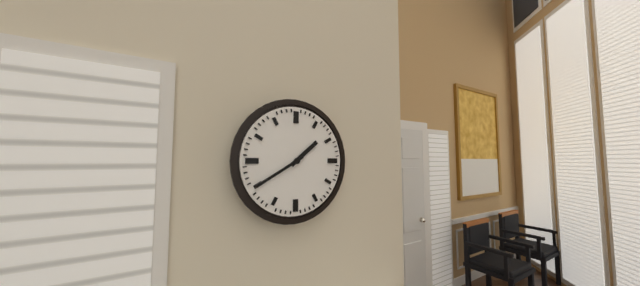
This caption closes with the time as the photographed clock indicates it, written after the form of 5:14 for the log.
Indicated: 1:40
